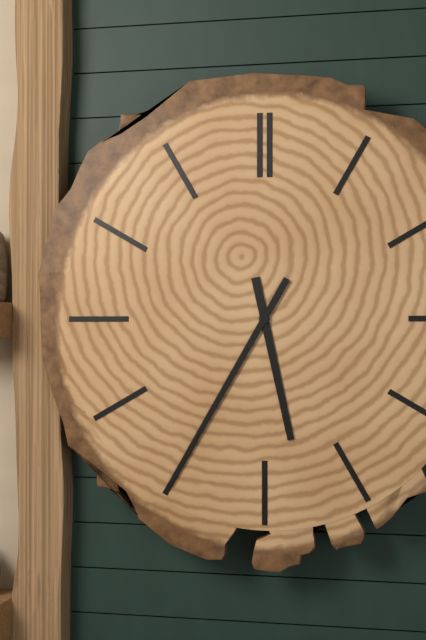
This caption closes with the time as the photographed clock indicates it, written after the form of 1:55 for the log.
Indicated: 5:35
